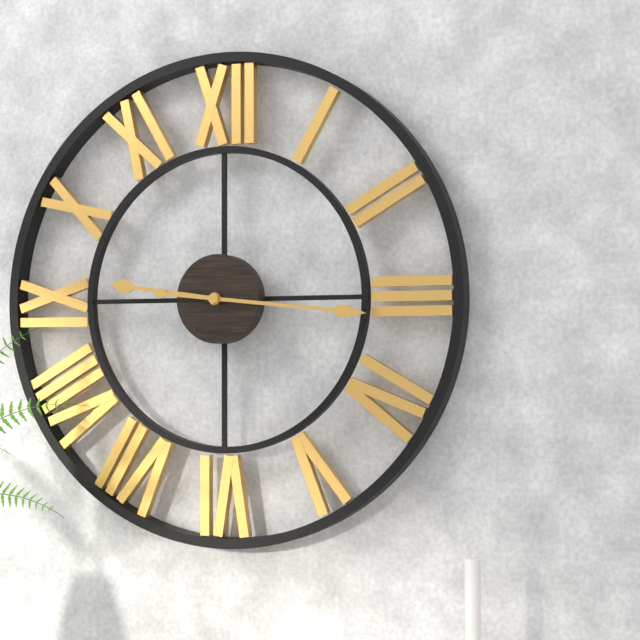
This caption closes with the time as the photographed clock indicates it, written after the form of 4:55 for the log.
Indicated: 9:16
